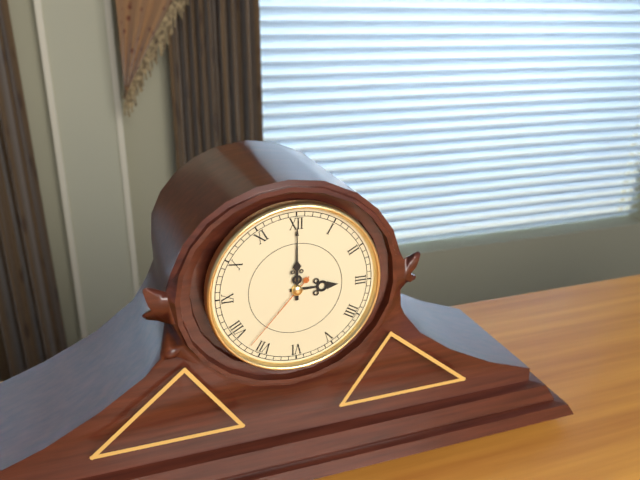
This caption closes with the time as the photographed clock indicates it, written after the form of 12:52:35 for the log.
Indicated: 3:00:37
